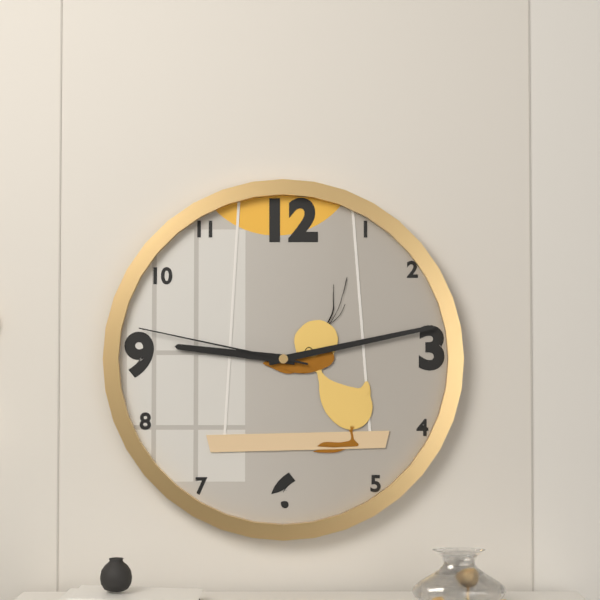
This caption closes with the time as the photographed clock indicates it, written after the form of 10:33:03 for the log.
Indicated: 9:13:47
